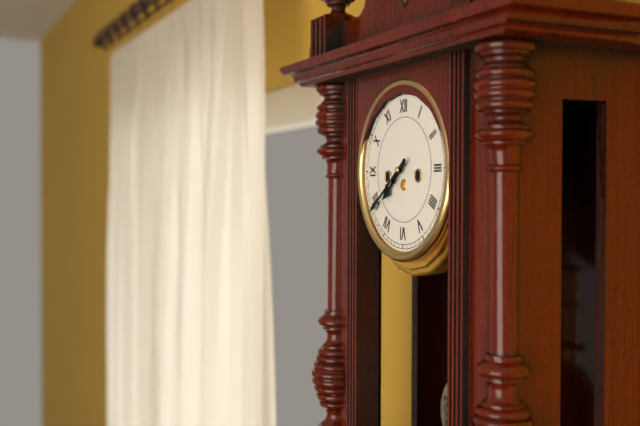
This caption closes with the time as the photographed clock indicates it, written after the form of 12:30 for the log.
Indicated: 7:39
